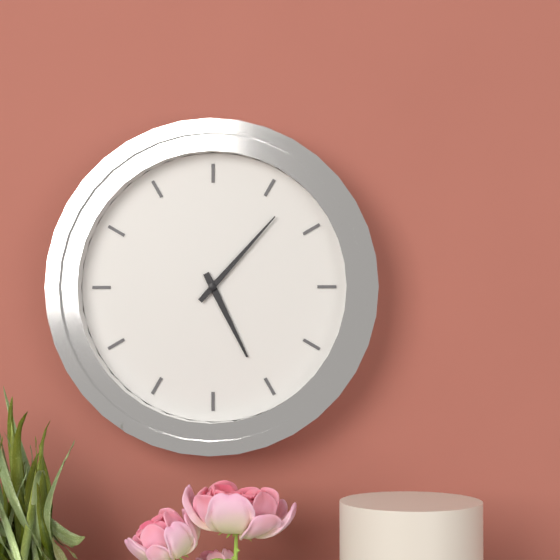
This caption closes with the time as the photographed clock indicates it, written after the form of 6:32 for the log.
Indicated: 5:07
